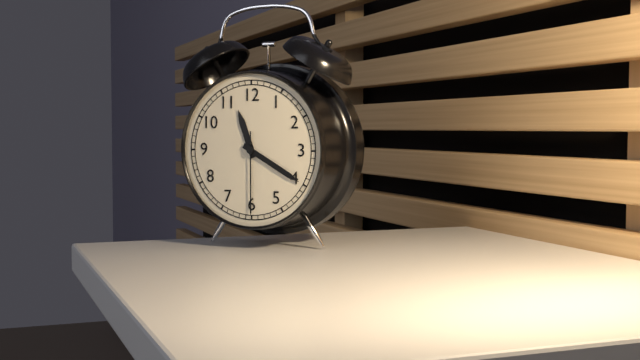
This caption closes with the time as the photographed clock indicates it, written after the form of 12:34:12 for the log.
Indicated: 11:20:30
